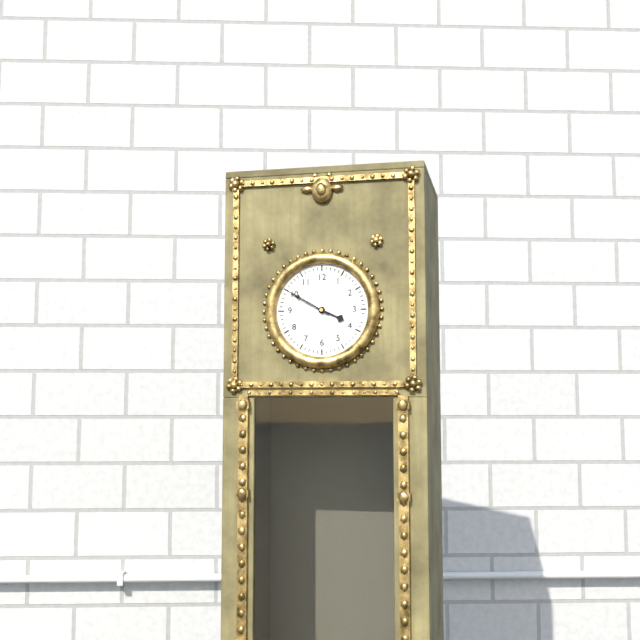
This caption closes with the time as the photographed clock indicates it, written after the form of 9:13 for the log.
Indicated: 3:50
